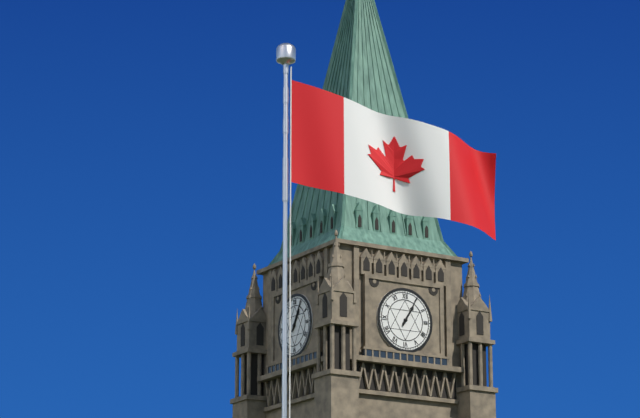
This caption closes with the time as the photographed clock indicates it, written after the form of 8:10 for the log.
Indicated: 1:05
